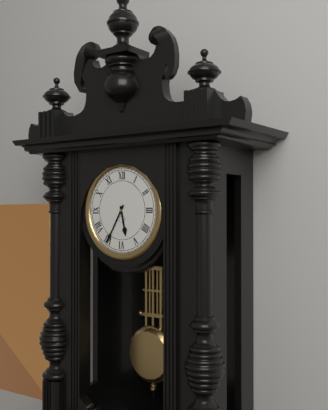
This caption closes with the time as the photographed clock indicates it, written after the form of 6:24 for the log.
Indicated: 5:35
